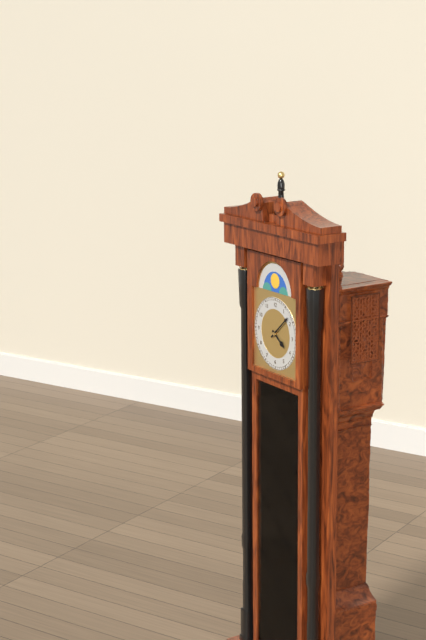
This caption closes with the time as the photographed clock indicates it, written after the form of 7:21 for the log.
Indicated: 4:08
